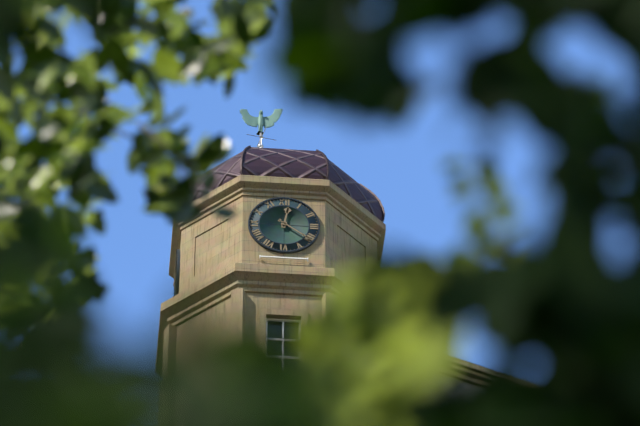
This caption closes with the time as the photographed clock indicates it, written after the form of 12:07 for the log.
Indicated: 12:21
